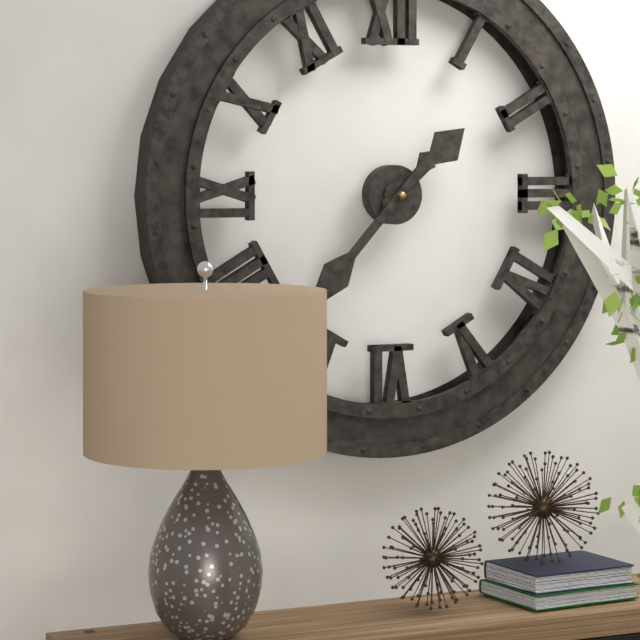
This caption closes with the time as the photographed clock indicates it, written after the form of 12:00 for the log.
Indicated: 1:37
